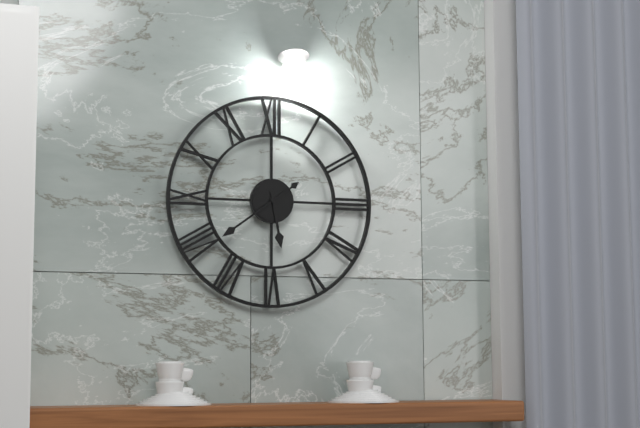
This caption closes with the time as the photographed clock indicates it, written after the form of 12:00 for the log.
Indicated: 5:39
